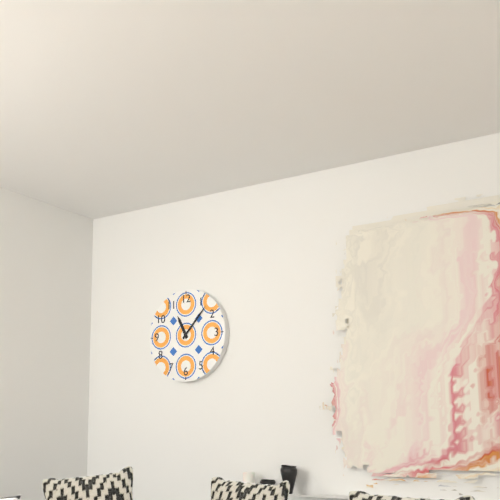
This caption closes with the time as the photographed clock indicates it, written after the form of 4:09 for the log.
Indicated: 11:07
